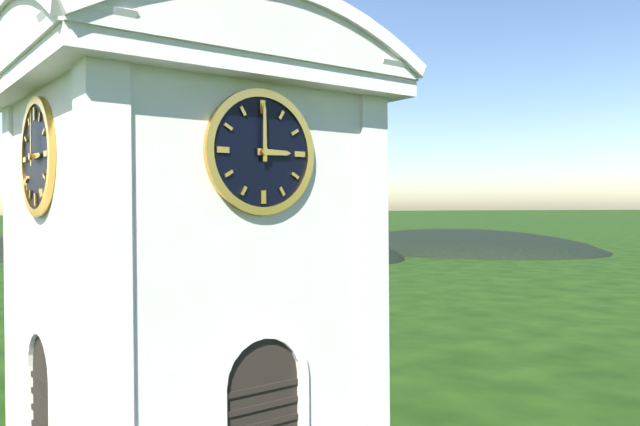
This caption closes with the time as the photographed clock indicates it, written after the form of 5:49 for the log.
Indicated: 3:00
